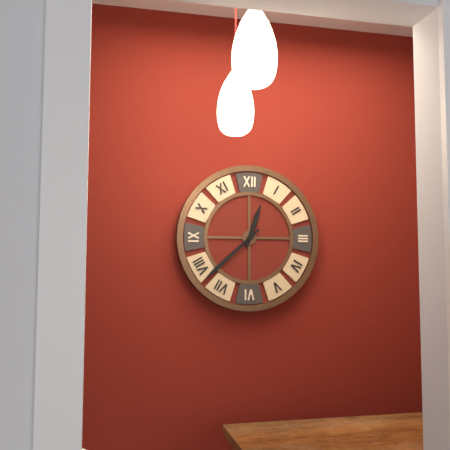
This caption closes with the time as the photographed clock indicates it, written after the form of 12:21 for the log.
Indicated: 12:38
